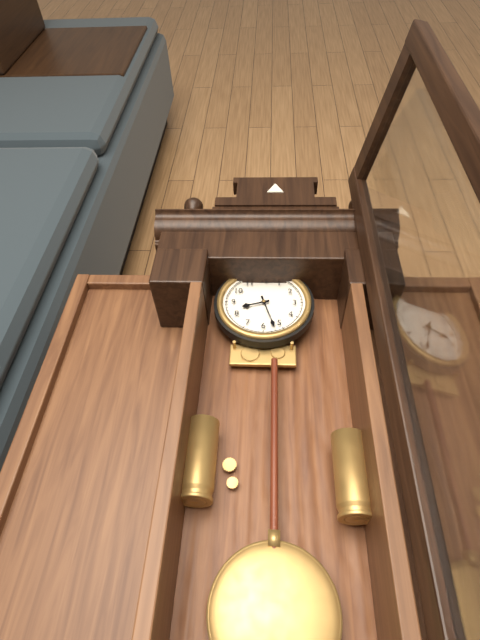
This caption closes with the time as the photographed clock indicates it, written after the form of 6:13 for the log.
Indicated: 8:27
